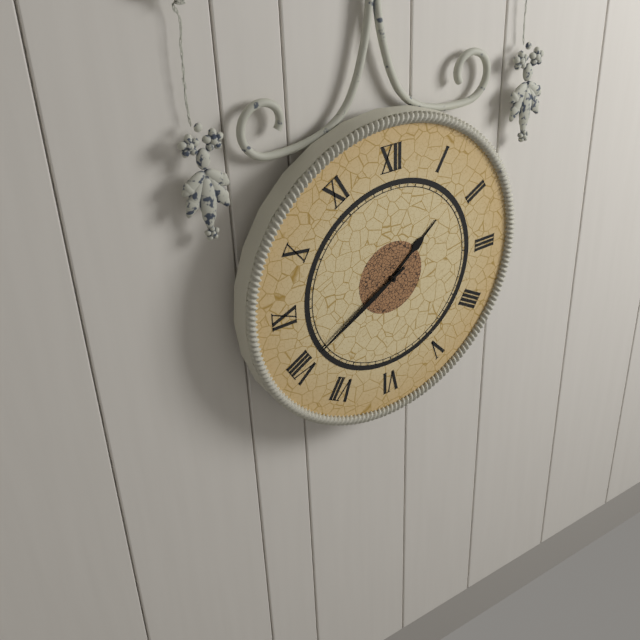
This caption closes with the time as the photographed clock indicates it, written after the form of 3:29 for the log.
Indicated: 1:40
